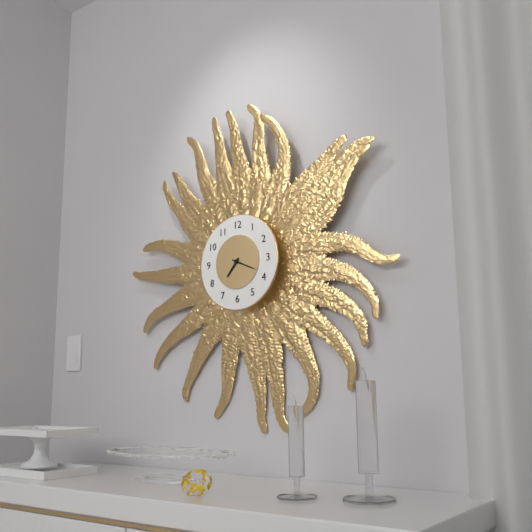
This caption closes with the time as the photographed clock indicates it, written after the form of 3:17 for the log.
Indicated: 7:19
